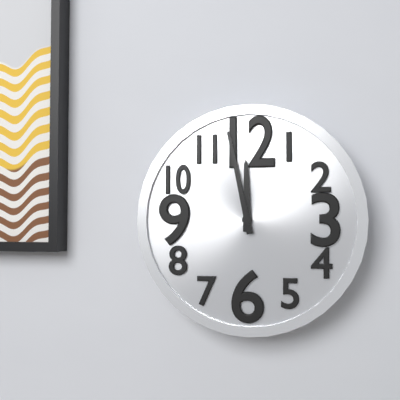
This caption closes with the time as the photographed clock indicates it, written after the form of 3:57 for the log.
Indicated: 11:58
